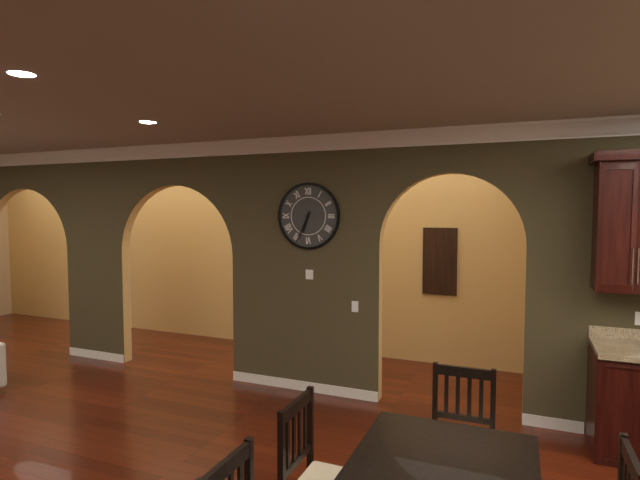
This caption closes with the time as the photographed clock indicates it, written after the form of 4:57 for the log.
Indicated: 6:34
